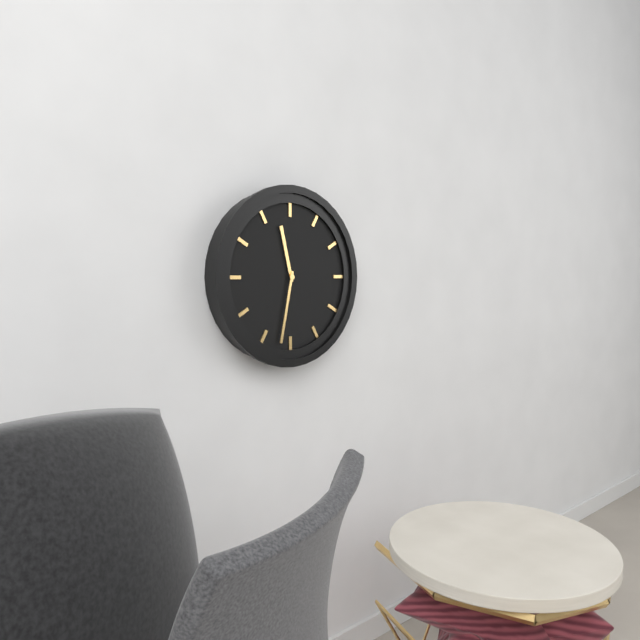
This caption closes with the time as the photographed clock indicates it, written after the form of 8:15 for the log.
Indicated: 11:32
